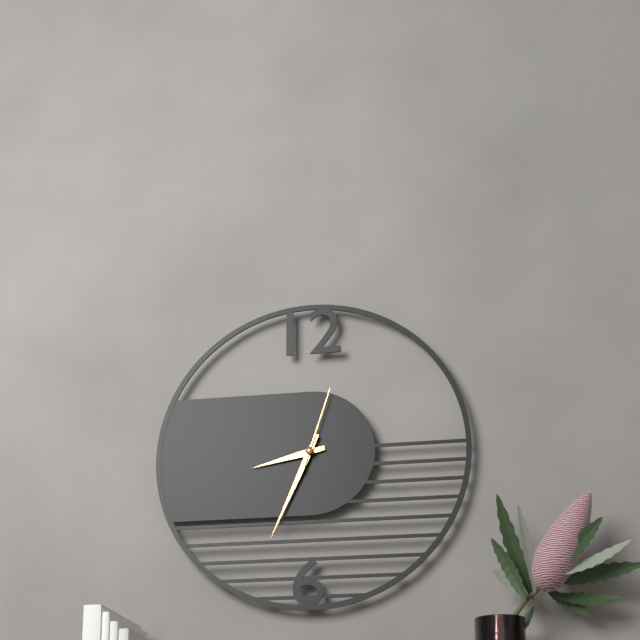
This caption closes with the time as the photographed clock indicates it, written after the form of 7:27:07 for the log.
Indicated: 8:34:03
